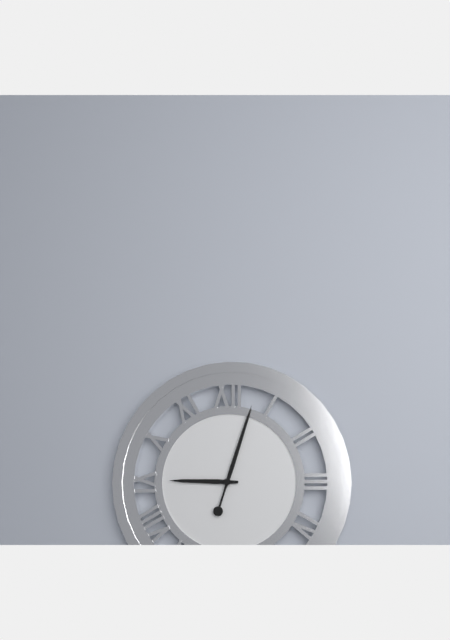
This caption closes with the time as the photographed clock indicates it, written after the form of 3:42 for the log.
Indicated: 9:03
